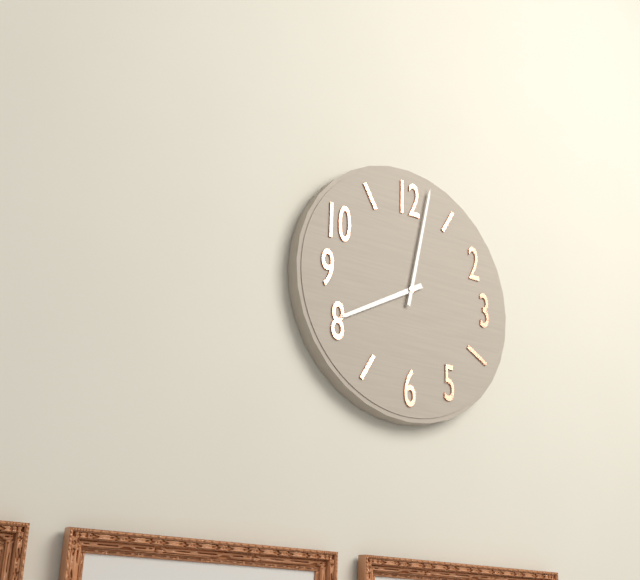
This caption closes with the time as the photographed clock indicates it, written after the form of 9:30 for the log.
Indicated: 8:02
